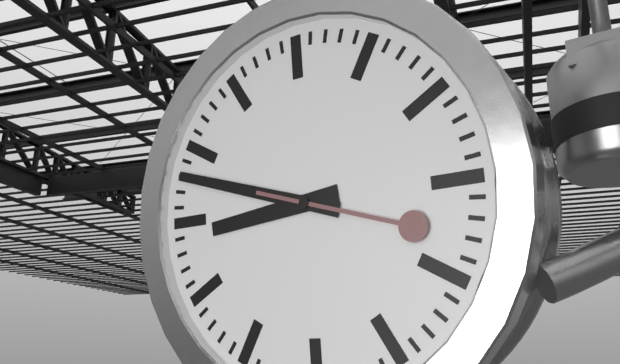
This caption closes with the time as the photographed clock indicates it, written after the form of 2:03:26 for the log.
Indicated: 8:48:18
